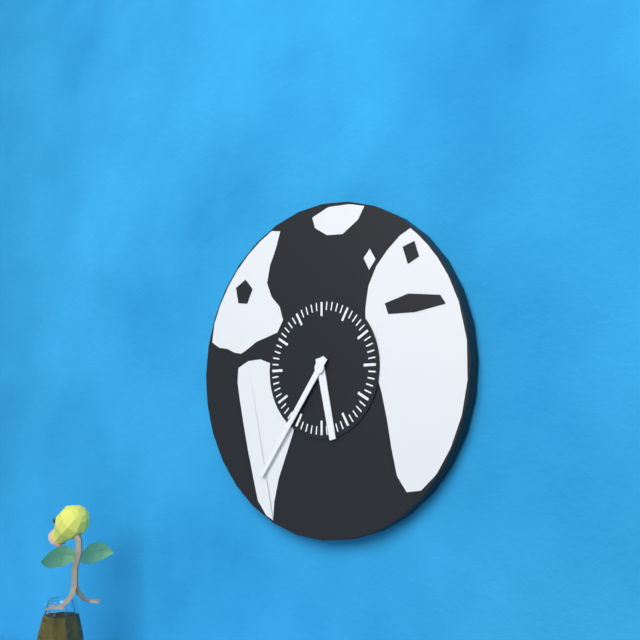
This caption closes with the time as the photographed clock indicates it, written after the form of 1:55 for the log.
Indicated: 5:36
